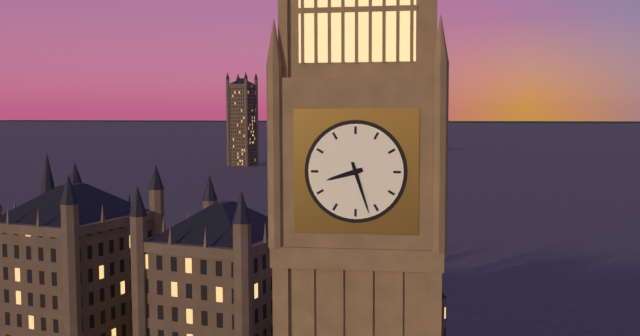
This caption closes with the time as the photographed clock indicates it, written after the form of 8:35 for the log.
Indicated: 8:27
